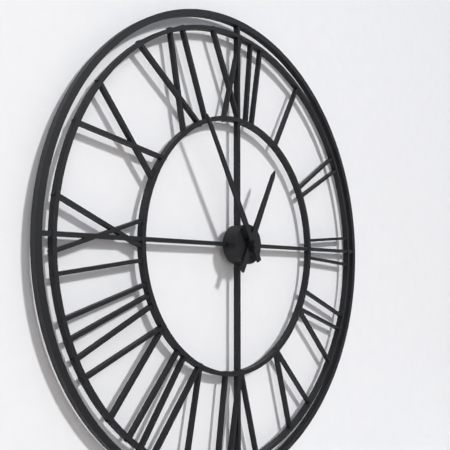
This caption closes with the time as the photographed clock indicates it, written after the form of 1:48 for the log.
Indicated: 12:55
